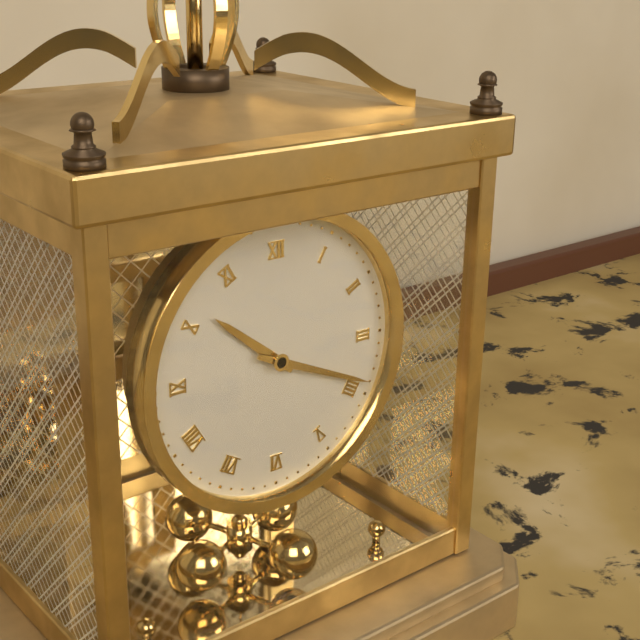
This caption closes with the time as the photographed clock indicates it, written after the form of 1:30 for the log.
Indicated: 10:19
